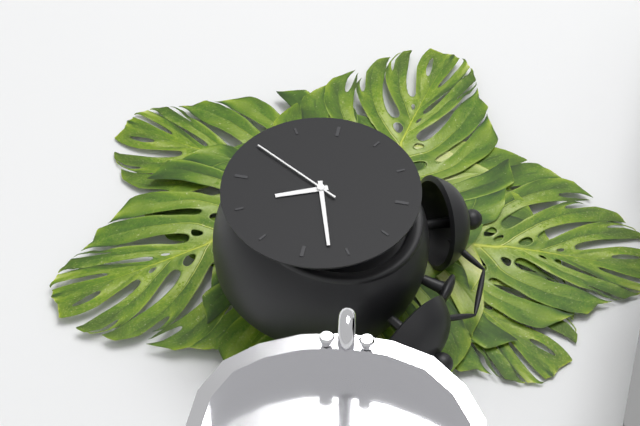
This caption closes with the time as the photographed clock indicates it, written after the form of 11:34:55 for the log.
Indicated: 5:12:35
